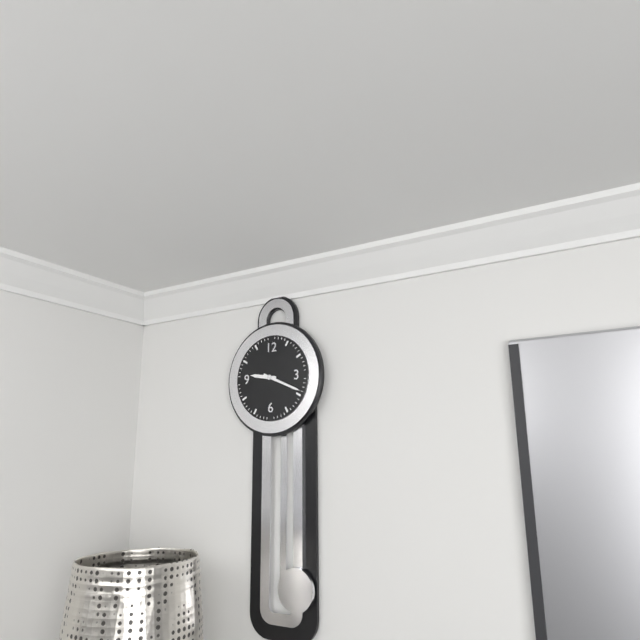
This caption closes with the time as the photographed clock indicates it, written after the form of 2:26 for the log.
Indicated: 9:19
